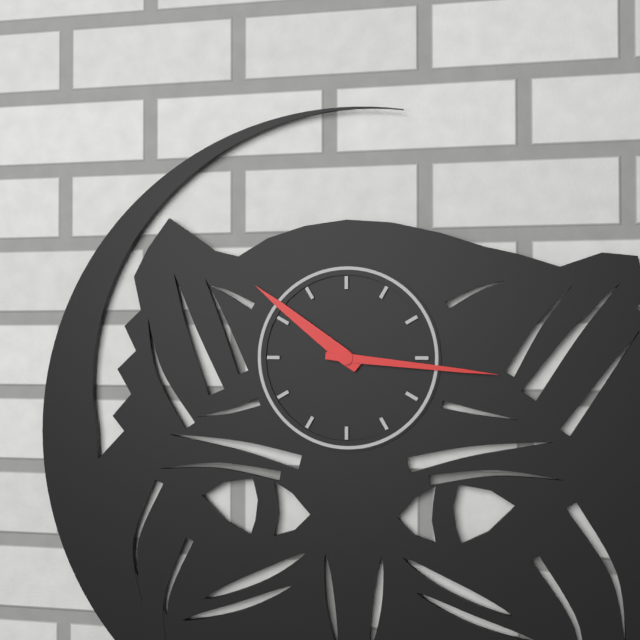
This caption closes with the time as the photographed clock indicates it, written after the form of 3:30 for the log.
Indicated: 10:16
